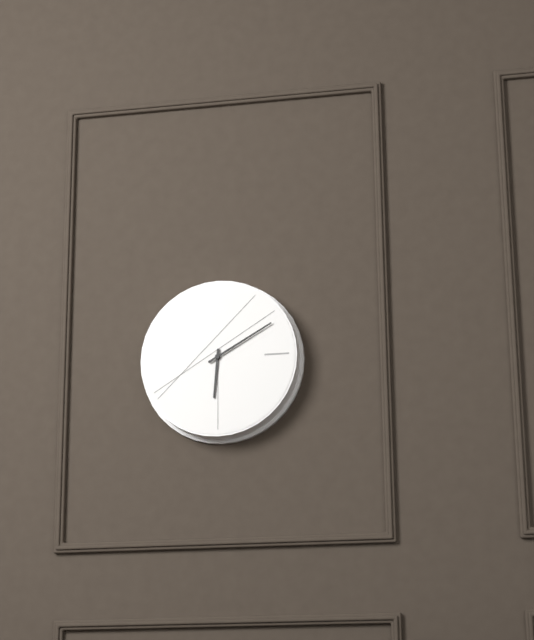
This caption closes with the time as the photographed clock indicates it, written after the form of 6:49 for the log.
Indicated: 6:10
